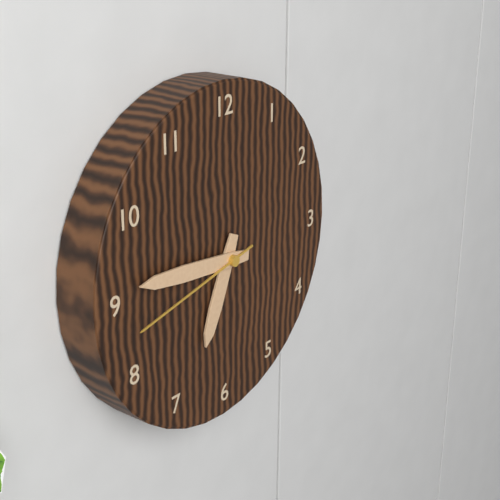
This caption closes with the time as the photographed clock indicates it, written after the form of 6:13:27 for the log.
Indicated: 6:46:43
